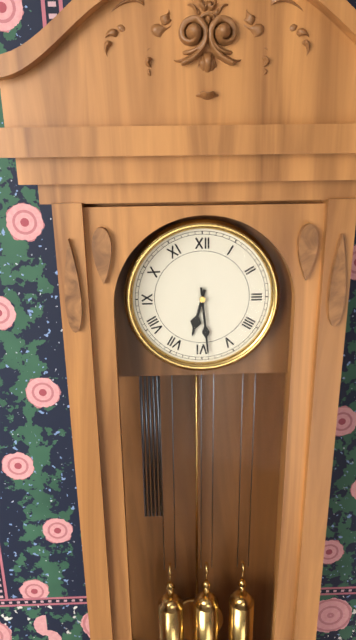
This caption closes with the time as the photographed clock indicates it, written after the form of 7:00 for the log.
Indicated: 6:29
